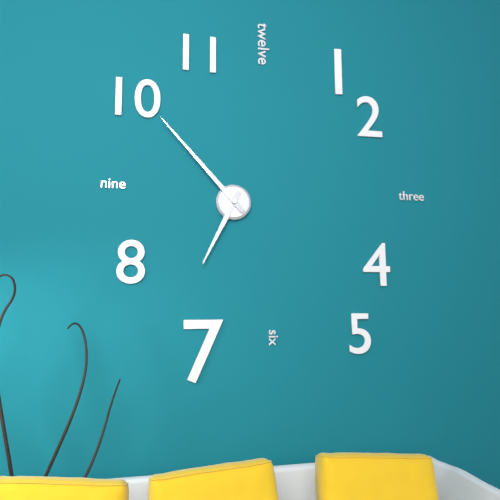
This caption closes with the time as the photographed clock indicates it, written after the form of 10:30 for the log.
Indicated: 6:53
